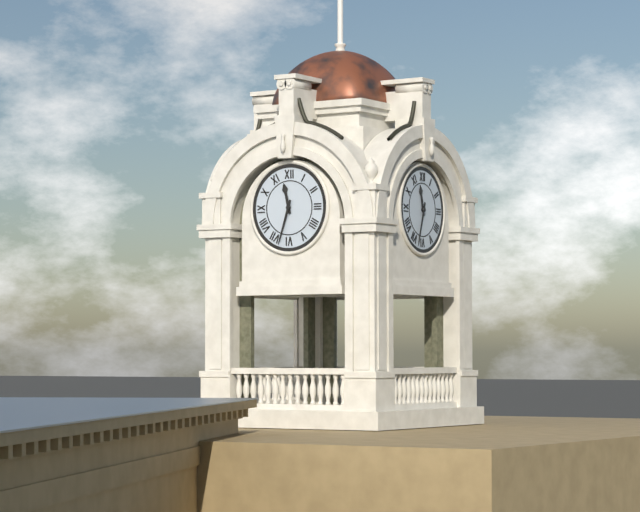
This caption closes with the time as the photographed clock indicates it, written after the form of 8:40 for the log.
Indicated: 11:33
